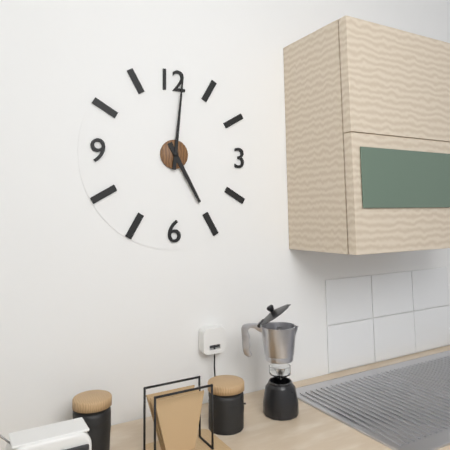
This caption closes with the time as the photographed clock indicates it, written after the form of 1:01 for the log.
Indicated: 5:01
